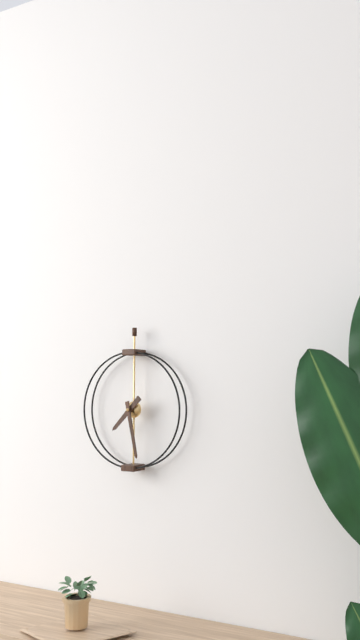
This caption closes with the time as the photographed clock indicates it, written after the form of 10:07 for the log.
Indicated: 7:28
